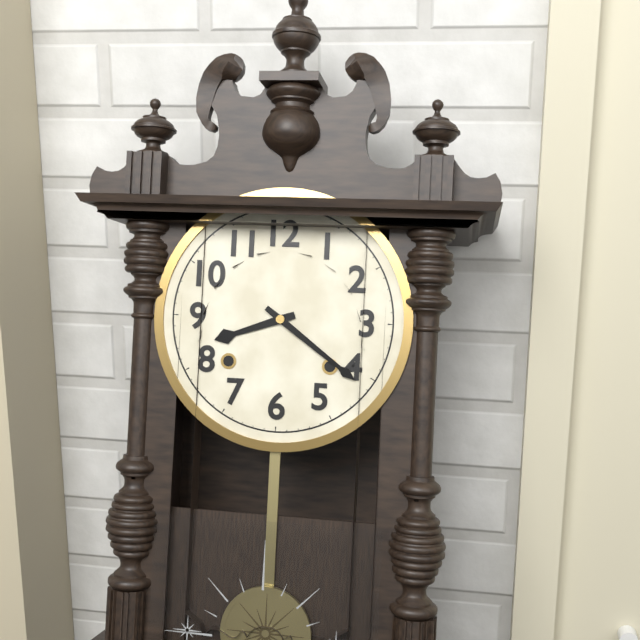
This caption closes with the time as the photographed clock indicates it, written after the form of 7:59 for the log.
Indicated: 8:21
